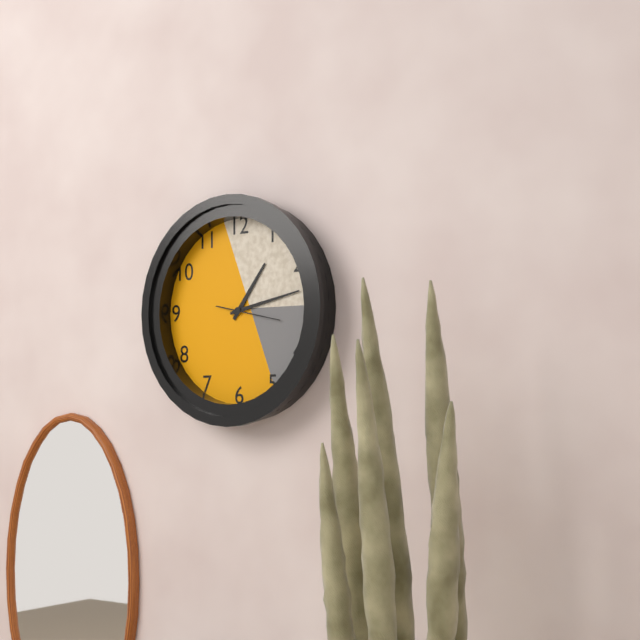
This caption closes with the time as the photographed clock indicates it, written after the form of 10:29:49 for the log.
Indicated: 1:13:17
